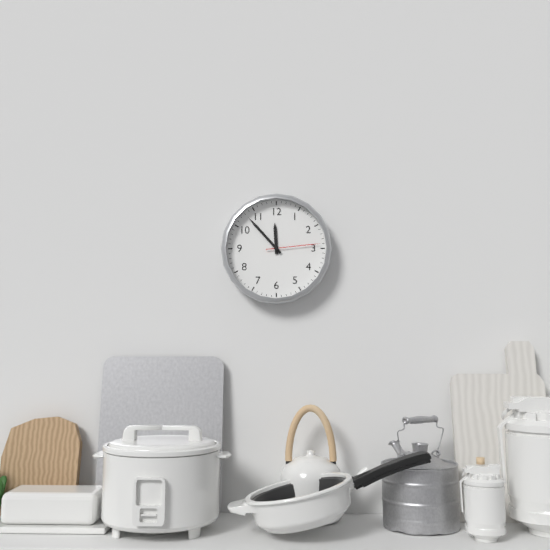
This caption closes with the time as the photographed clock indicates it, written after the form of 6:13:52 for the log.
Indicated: 11:53:14
